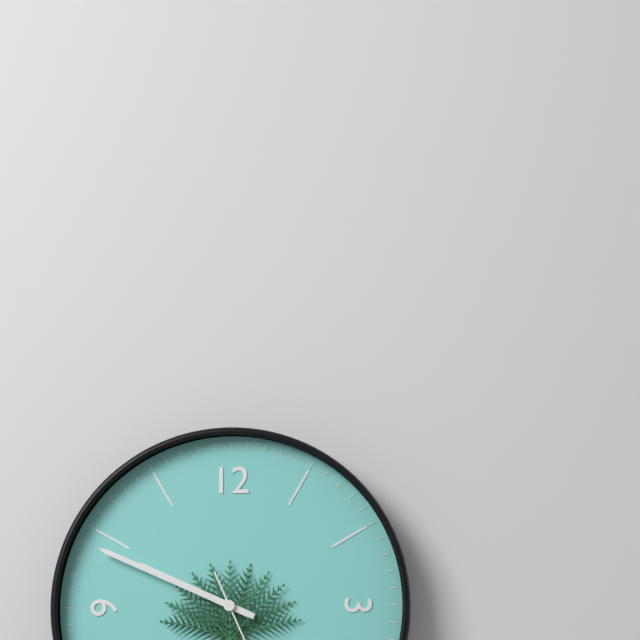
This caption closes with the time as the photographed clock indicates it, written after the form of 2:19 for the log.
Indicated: 9:49
